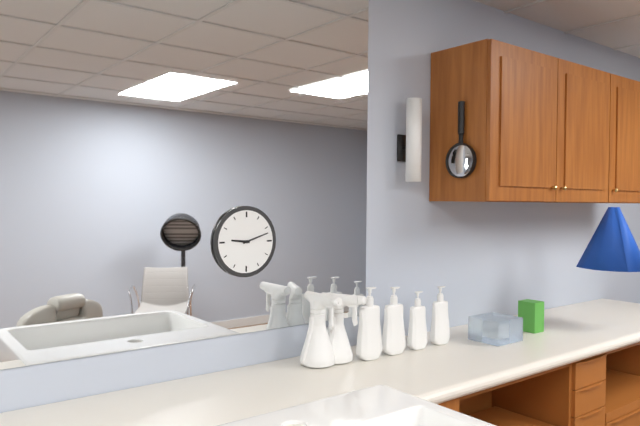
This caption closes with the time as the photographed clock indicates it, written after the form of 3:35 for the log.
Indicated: 9:12
